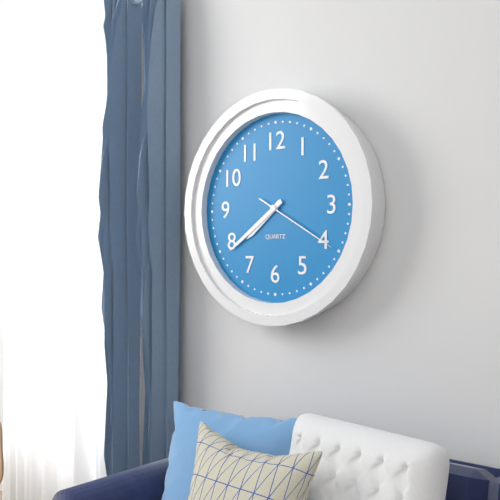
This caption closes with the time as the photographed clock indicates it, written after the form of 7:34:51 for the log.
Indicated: 7:39:20
